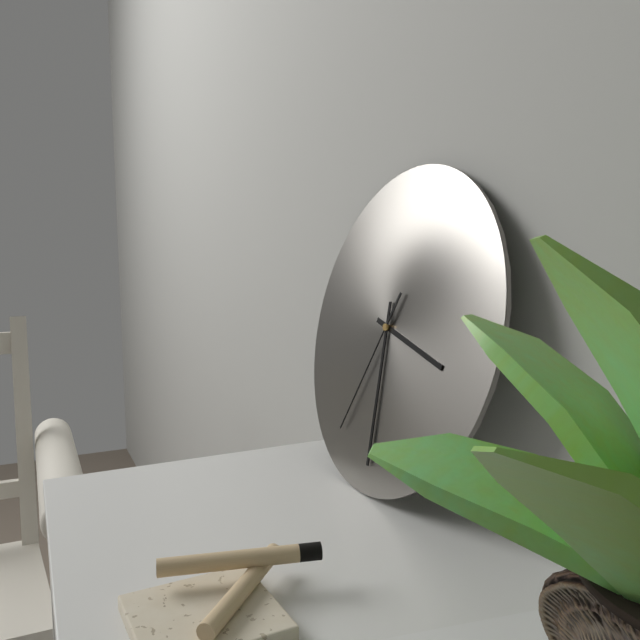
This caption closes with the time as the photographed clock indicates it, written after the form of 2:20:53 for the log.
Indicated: 3:29:34
